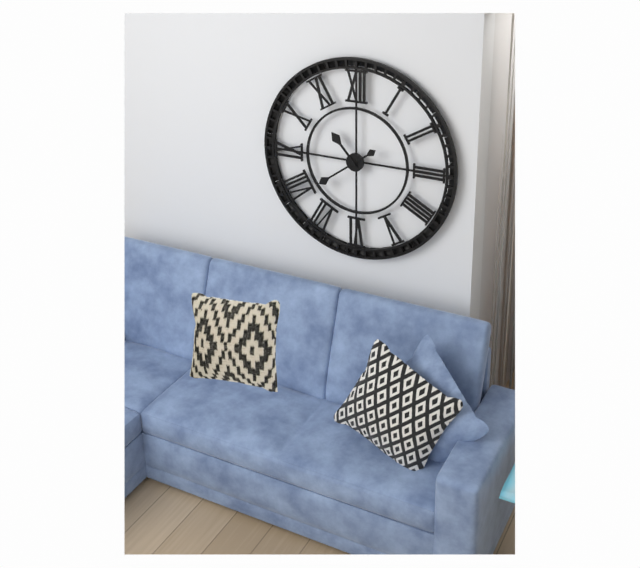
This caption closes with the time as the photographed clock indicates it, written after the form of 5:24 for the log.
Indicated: 10:39
